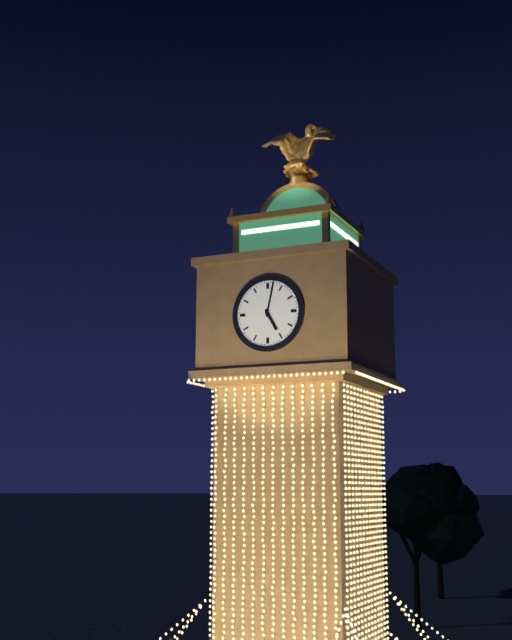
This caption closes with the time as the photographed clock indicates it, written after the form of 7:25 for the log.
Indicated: 5:02
